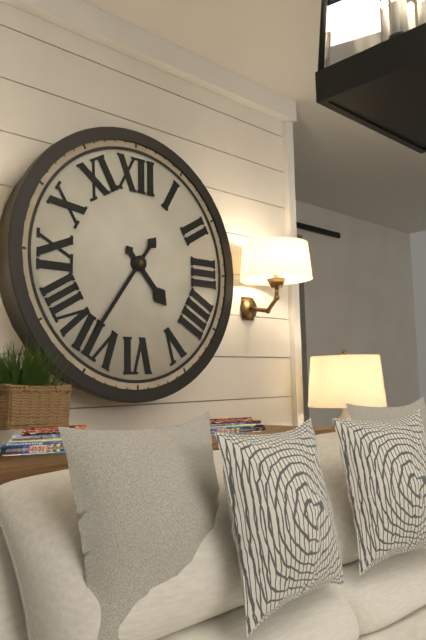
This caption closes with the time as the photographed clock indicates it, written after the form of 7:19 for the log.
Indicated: 4:36
